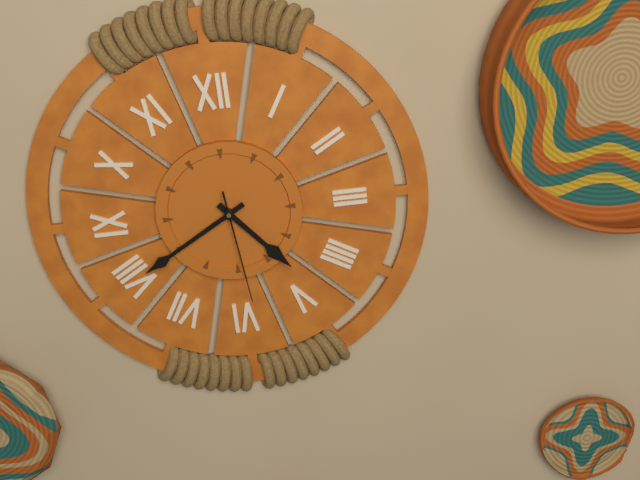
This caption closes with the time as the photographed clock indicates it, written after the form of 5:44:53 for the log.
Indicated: 4:40:29
